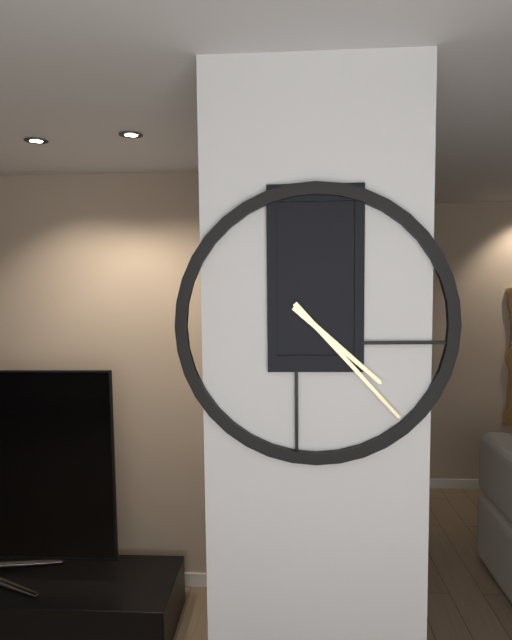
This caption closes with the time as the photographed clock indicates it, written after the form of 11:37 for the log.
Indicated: 4:23
